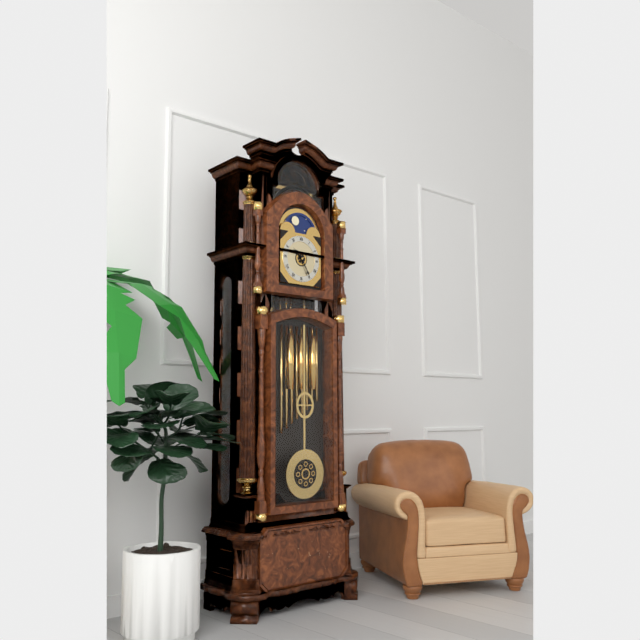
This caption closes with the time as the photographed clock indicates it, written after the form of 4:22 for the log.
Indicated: 10:25
